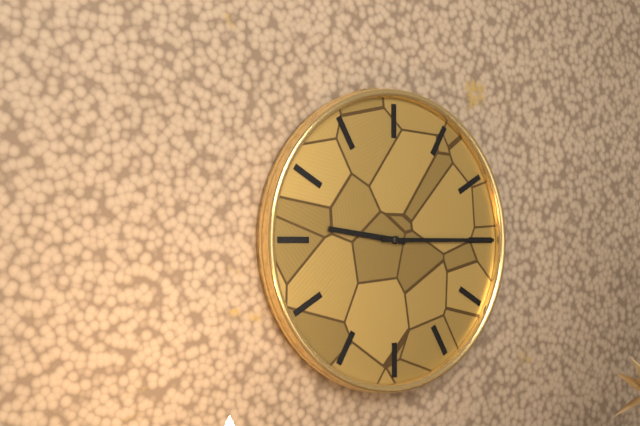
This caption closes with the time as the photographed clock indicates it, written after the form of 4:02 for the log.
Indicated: 9:15
